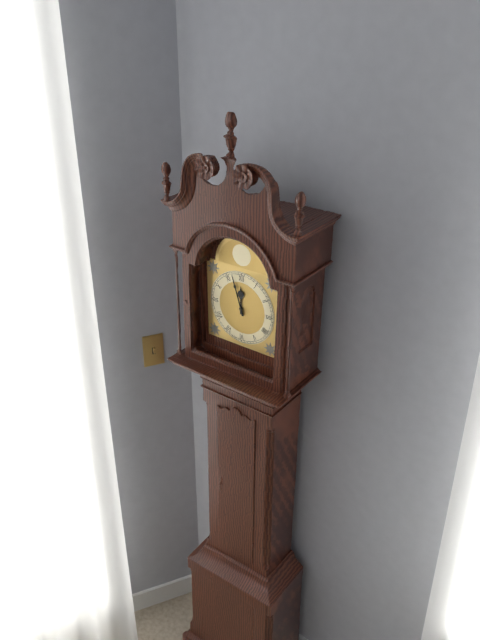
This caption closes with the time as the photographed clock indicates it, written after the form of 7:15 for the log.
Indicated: 11:57
